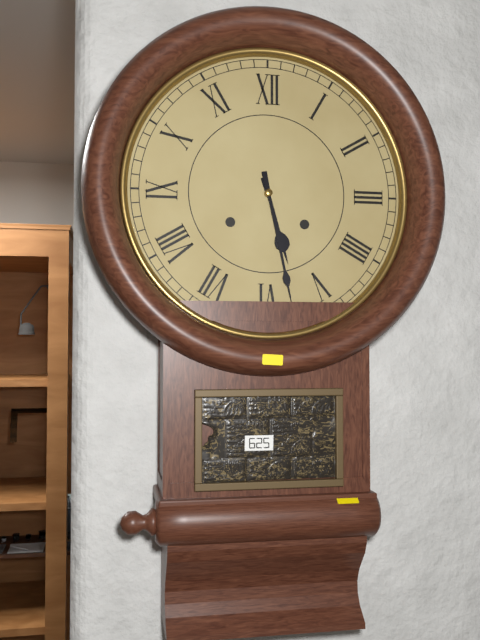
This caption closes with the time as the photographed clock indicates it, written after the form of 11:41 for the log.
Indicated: 5:28
